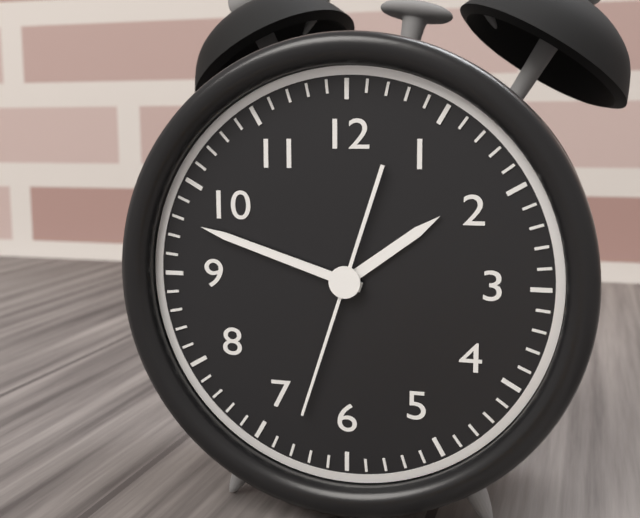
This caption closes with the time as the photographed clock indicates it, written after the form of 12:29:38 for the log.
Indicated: 1:48:33
